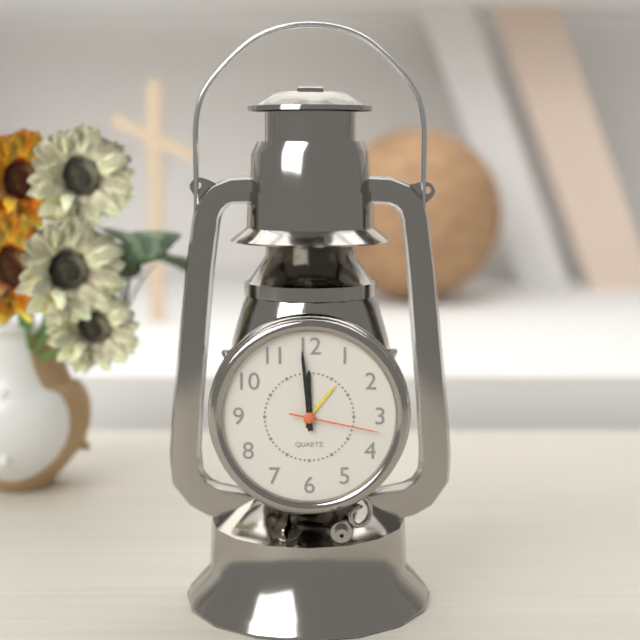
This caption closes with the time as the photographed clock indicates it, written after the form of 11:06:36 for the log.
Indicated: 11:59:17
